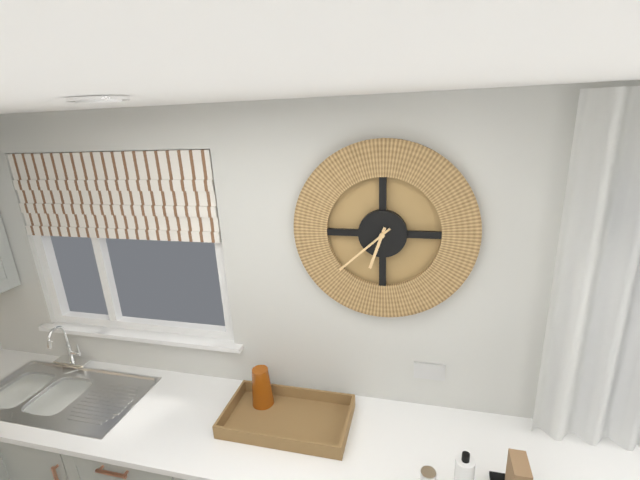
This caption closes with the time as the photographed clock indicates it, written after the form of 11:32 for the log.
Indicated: 6:38
